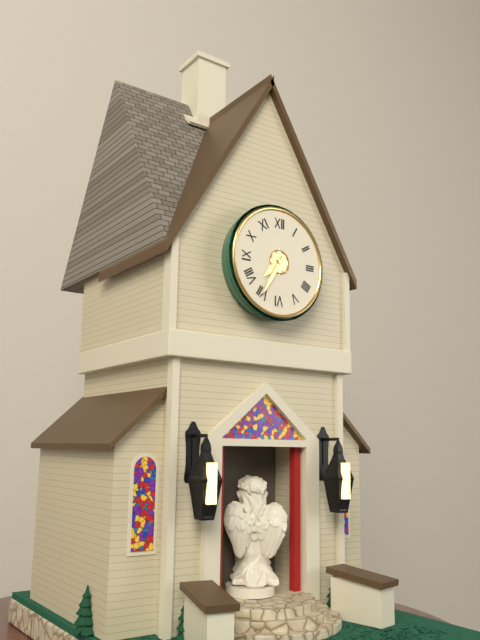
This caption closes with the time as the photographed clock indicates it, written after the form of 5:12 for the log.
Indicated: 7:35
